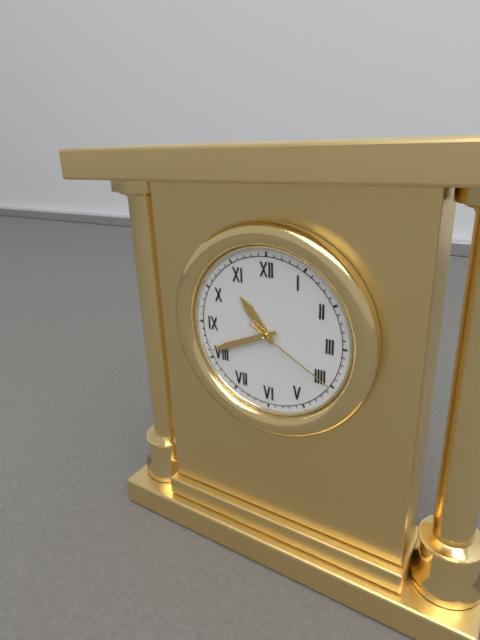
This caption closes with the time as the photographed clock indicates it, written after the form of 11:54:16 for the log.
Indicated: 10:41:20
